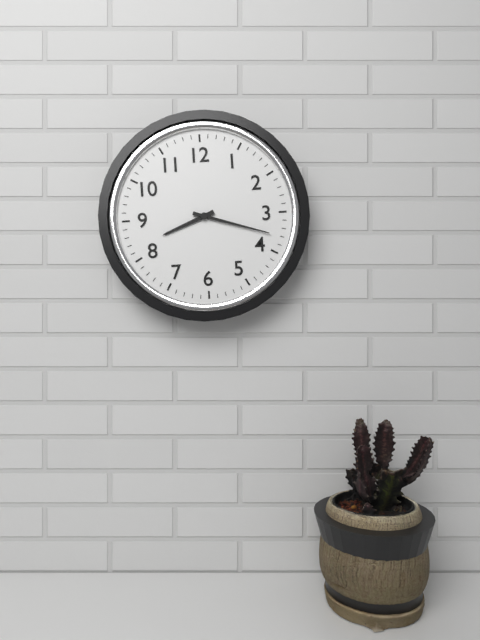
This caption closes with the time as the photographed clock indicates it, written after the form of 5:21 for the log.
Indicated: 8:18
